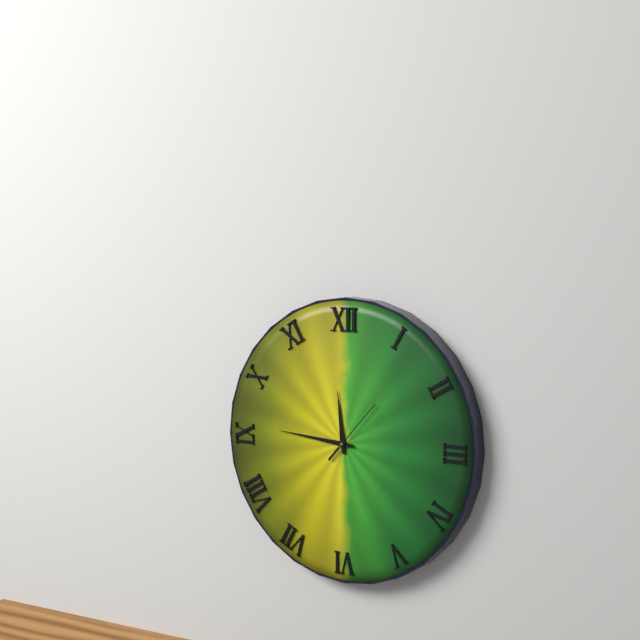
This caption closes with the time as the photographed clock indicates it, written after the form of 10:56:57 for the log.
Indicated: 11:46:07
